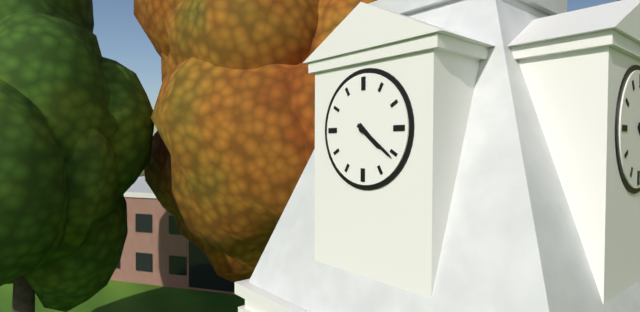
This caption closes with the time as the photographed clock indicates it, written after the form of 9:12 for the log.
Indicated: 4:21
